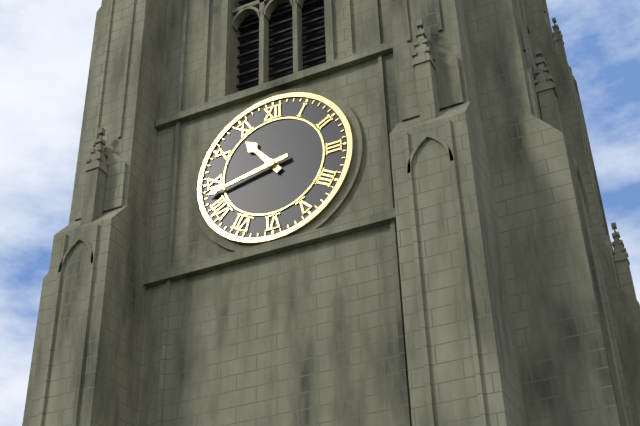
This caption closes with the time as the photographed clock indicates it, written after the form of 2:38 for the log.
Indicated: 10:43
